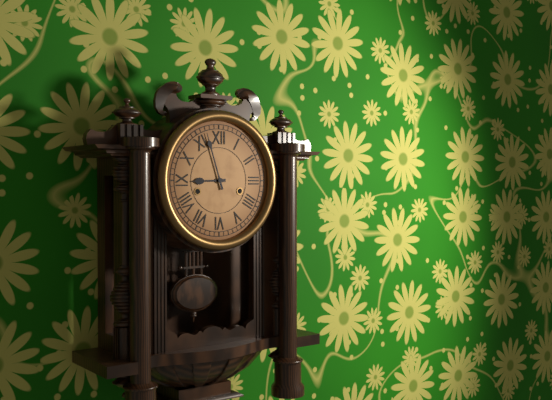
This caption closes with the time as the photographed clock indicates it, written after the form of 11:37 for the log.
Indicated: 8:57
